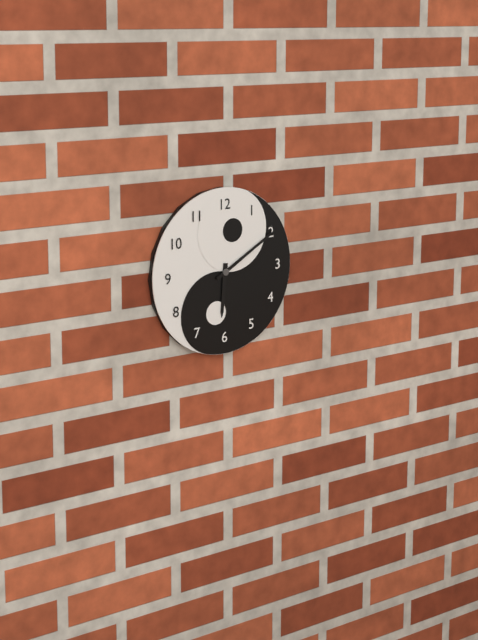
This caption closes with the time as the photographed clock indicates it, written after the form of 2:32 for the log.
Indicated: 6:10
